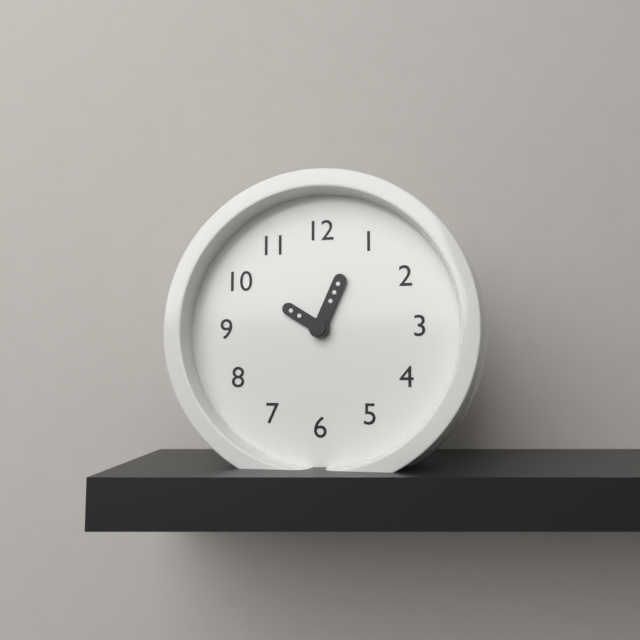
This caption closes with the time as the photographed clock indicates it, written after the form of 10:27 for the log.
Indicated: 10:04
